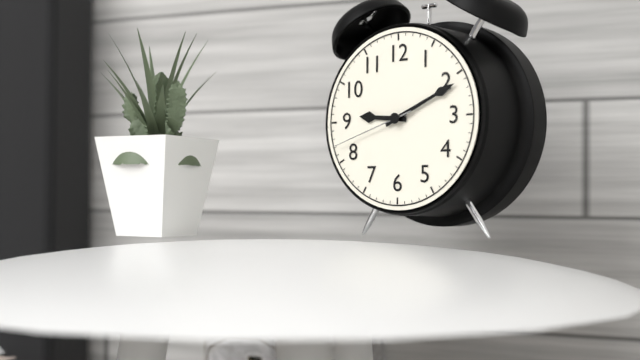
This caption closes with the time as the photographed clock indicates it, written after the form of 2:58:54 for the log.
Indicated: 9:11:42
